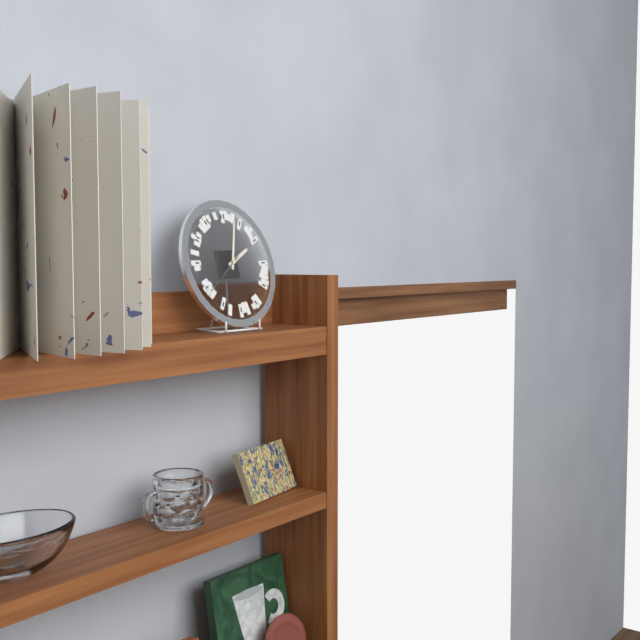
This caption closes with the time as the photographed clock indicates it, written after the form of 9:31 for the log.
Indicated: 2:03
